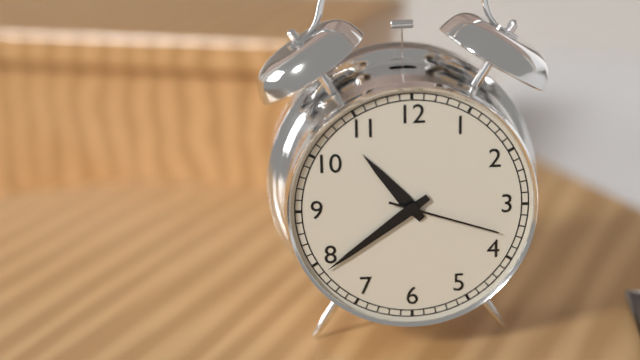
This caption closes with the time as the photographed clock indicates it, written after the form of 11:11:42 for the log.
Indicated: 10:39:18
